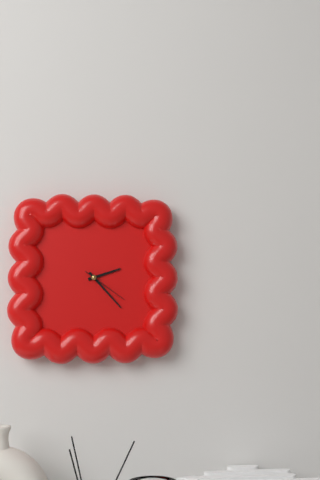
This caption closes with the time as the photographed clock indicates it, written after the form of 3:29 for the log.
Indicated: 2:23
